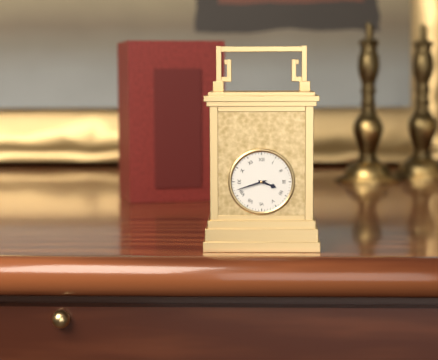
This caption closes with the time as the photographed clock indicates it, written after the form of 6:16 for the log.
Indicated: 3:42
